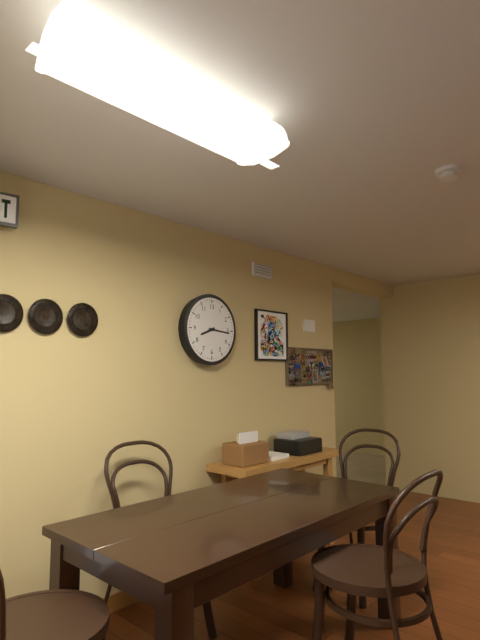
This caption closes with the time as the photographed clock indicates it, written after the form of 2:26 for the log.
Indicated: 8:16
